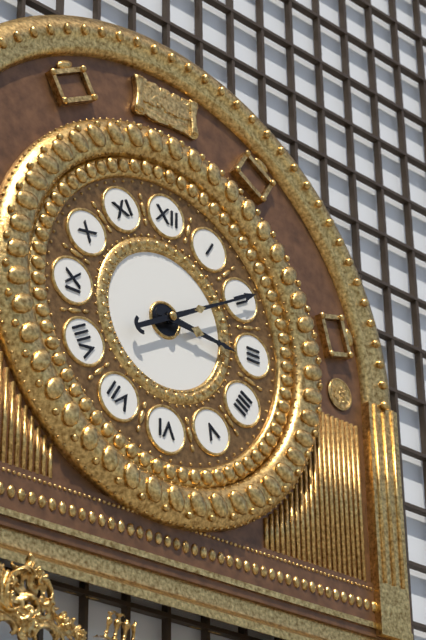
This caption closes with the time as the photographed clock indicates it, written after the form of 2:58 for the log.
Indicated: 3:10
